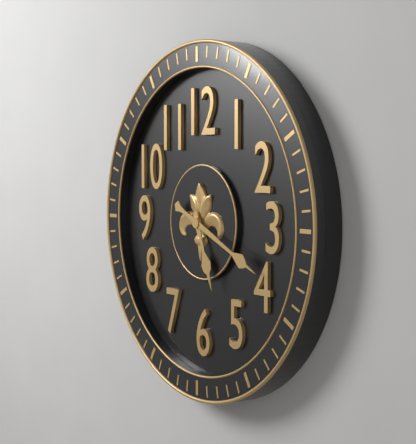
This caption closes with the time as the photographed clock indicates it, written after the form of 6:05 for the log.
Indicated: 5:19
